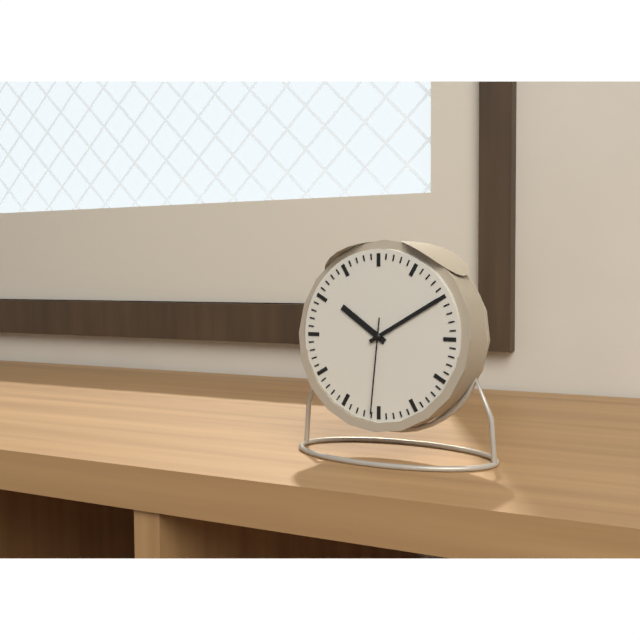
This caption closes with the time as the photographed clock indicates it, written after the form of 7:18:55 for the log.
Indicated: 10:10:31
